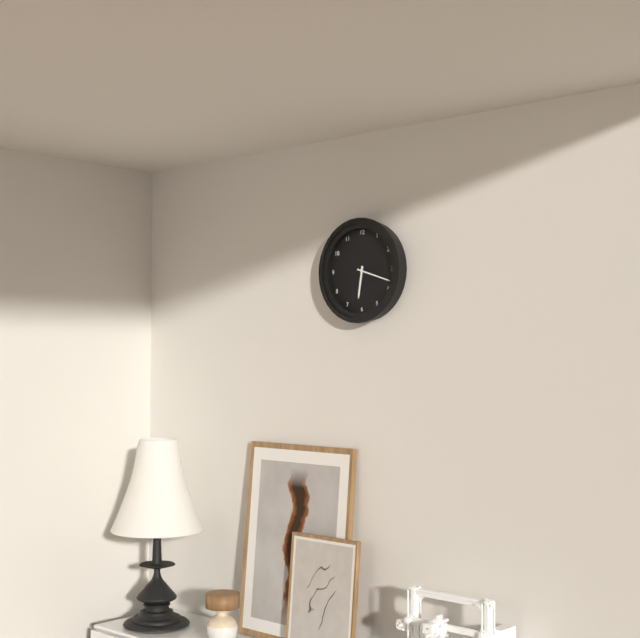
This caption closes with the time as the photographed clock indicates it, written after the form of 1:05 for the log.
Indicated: 6:18
